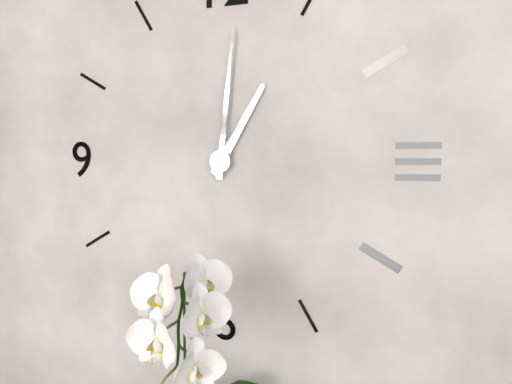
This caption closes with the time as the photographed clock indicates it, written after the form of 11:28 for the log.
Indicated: 1:01
